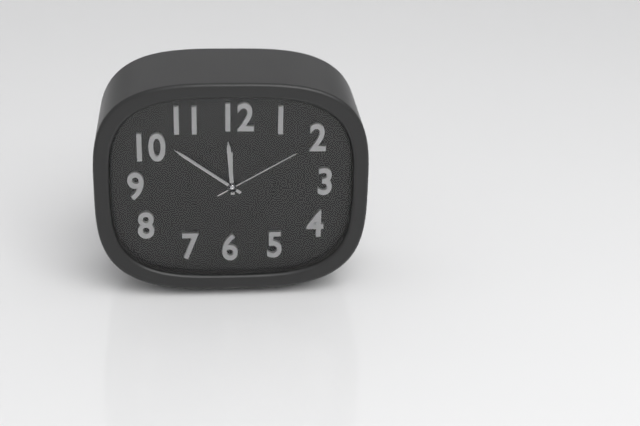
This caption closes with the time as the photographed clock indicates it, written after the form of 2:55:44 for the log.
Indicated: 11:51:10
